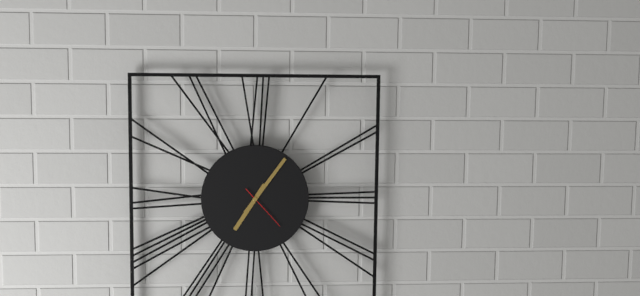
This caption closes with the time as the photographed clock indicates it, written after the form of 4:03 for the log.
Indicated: 7:06
